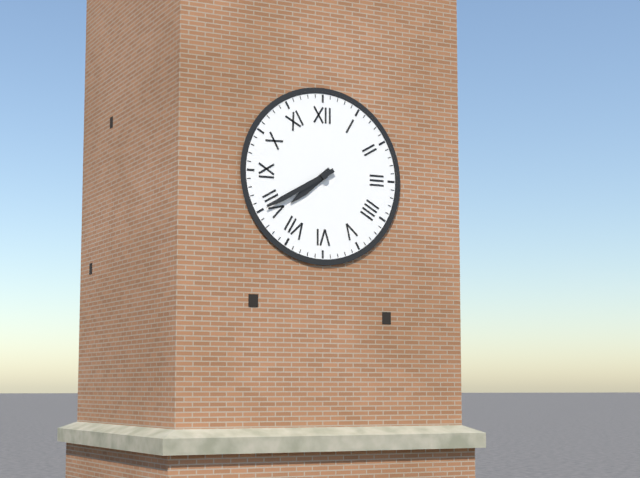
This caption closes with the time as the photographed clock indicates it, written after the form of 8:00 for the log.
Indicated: 7:40
